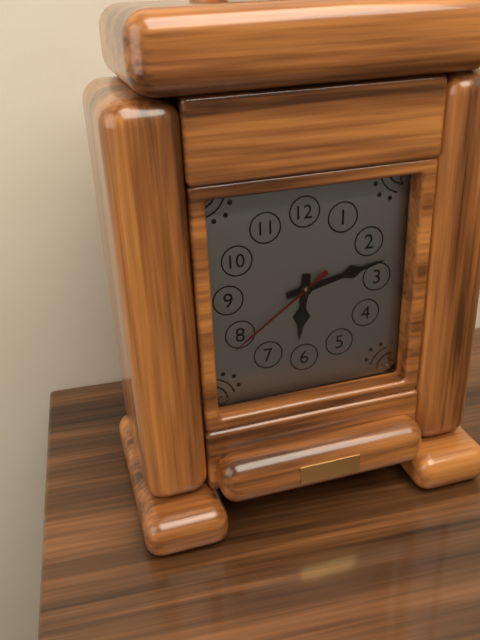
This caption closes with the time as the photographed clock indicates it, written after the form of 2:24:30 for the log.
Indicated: 6:13:39
